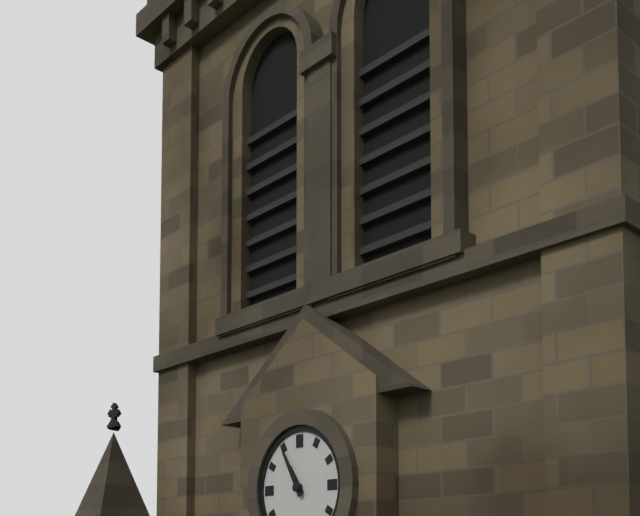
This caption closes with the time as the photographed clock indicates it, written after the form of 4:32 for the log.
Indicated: 10:55
